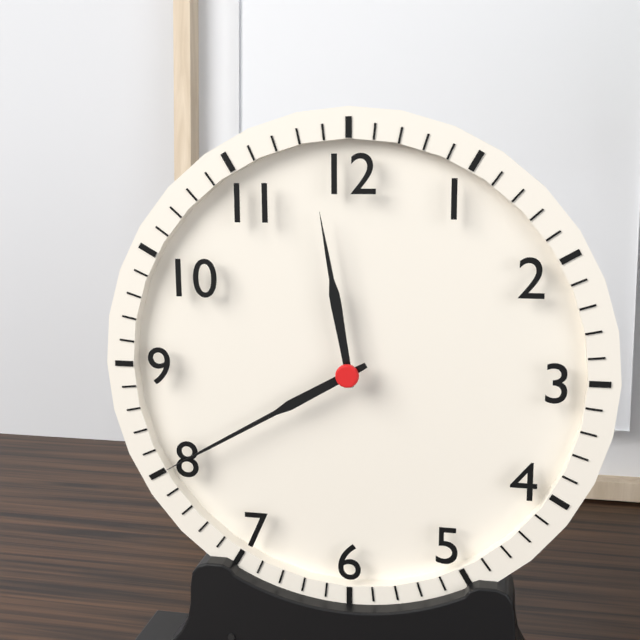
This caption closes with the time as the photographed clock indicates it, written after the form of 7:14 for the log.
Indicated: 11:40
